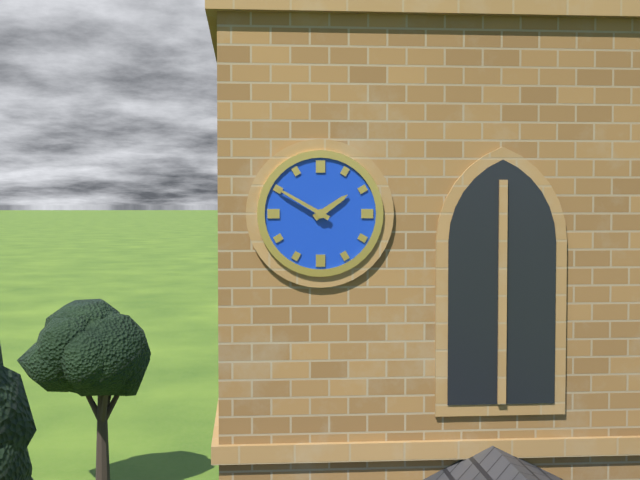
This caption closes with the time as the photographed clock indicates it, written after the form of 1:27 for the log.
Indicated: 1:50
